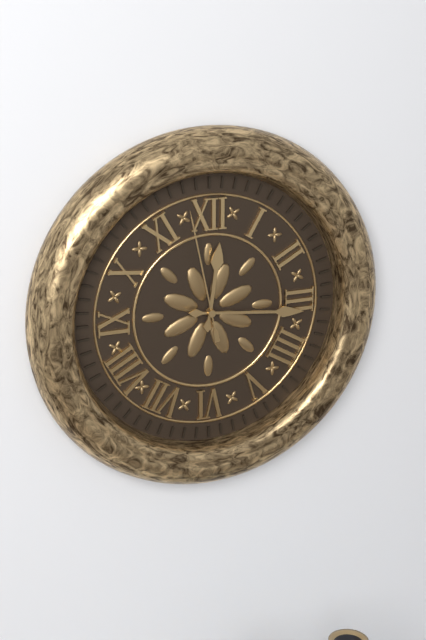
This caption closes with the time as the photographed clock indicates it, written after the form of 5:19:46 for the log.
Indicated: 12:16:58
